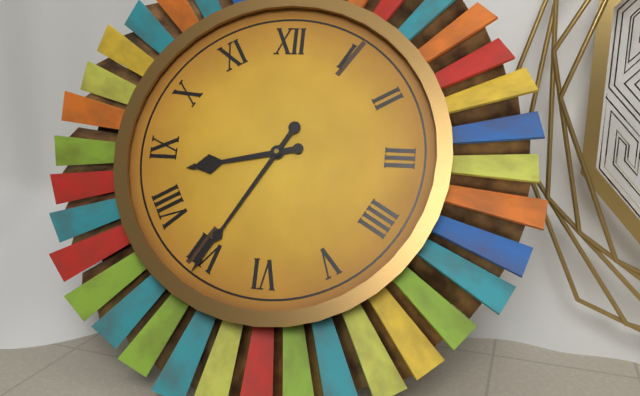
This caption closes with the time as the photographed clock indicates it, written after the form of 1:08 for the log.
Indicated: 8:35
